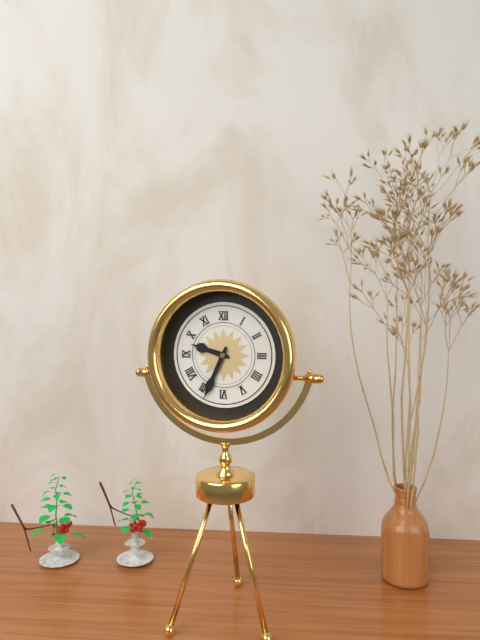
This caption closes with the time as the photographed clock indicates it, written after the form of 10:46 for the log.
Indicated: 9:34
